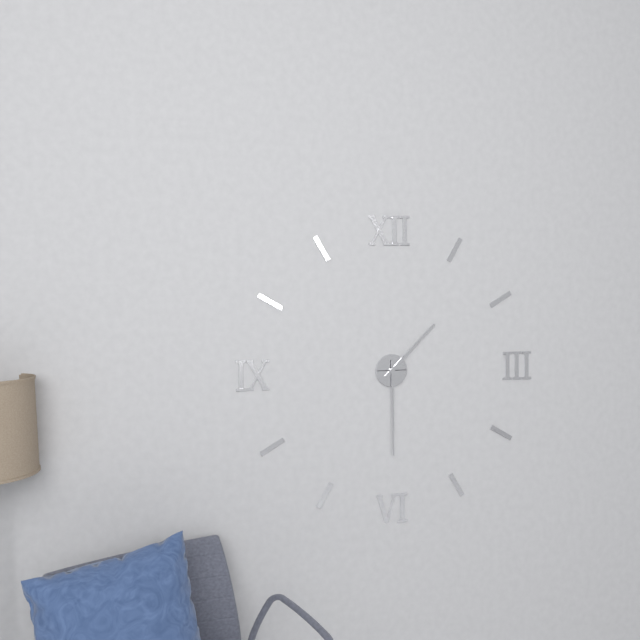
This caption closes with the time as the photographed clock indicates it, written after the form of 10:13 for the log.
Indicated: 1:30
